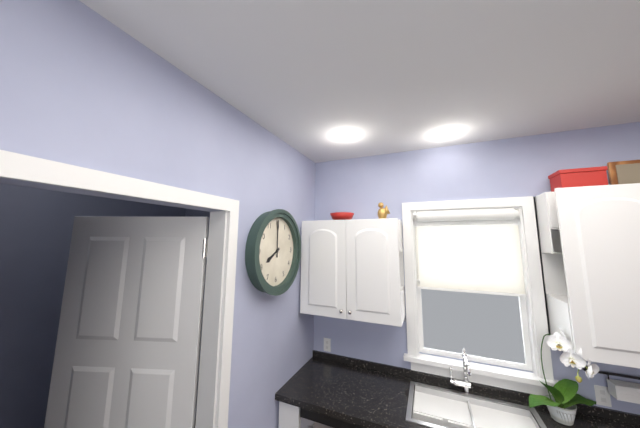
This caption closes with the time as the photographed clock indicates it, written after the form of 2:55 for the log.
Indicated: 8:00
